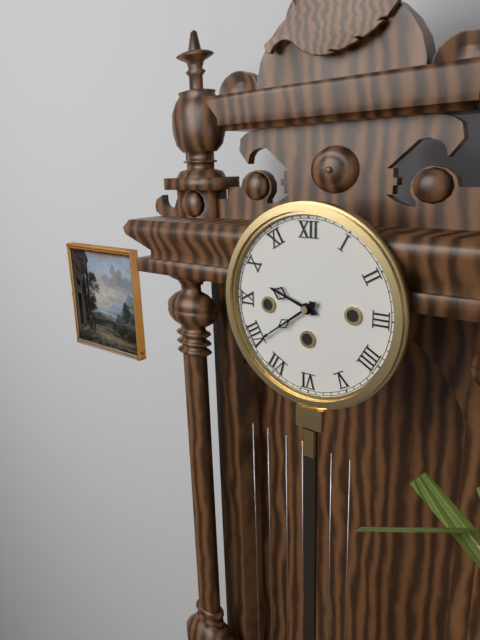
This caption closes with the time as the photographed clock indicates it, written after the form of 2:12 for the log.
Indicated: 9:39
